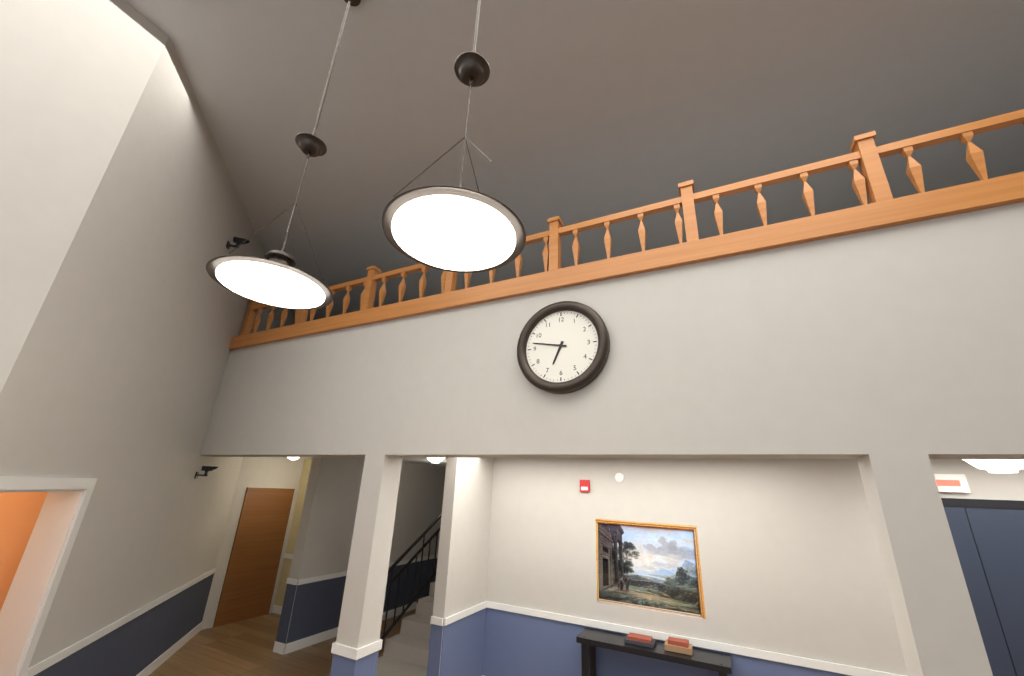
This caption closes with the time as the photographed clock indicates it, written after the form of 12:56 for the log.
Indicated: 6:47
